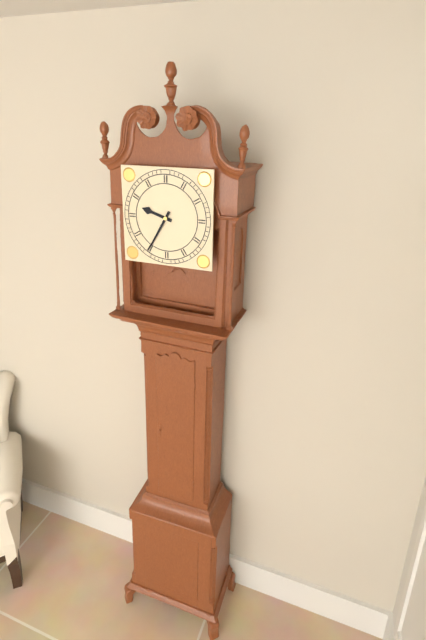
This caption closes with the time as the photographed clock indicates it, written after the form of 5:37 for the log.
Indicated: 9:35
